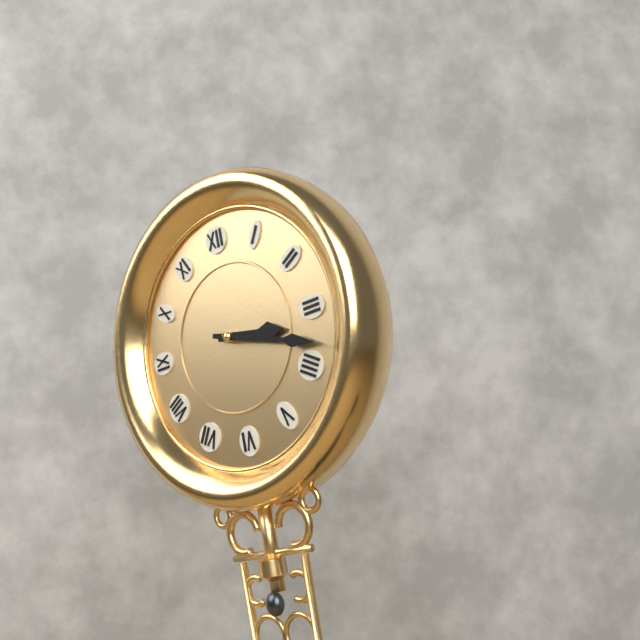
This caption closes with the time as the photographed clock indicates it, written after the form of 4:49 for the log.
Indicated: 3:18
